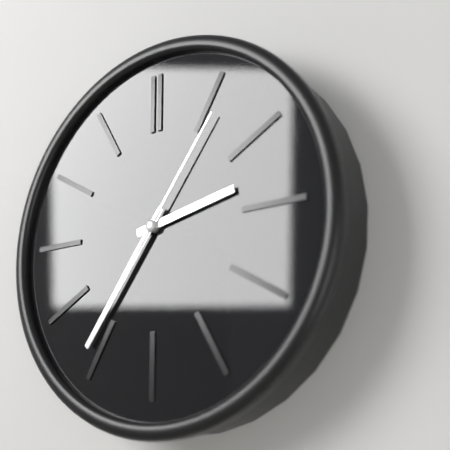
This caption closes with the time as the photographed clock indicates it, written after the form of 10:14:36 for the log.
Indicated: 2:36:06
